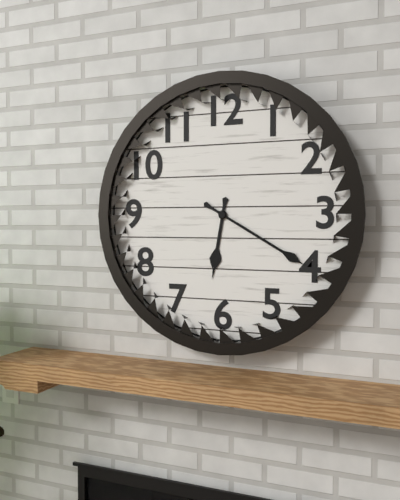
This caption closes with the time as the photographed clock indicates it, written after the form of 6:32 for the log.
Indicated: 6:20
